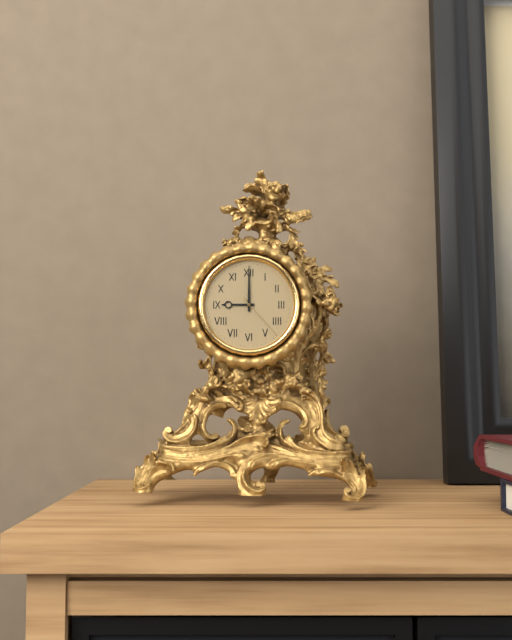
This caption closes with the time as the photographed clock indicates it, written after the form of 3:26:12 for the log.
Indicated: 9:00:23
